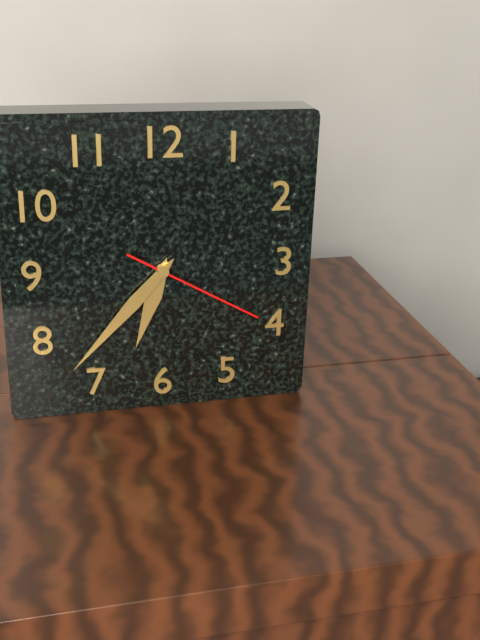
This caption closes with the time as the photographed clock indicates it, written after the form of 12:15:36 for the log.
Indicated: 6:37:20
